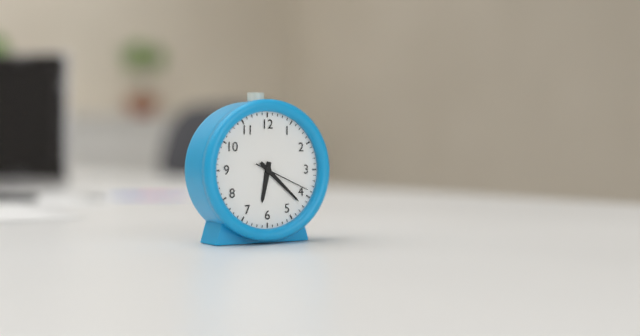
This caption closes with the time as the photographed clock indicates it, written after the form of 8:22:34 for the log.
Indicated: 6:22:19
